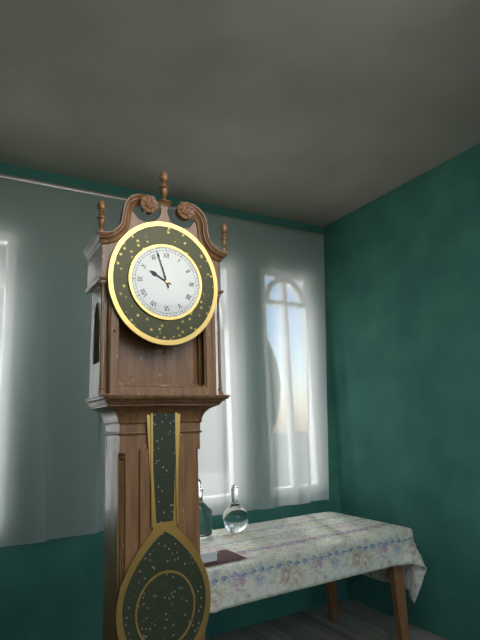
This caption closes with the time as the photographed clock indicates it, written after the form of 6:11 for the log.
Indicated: 9:57
